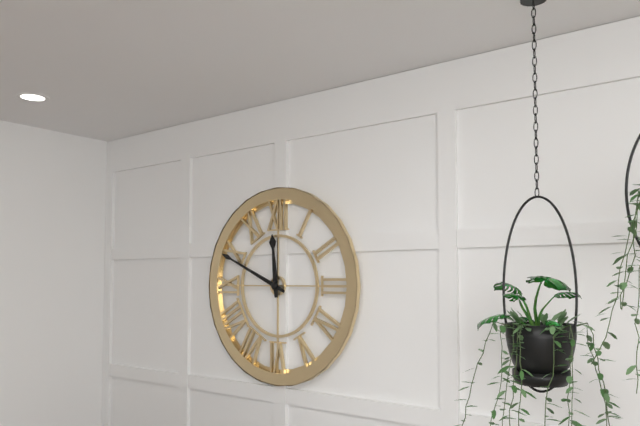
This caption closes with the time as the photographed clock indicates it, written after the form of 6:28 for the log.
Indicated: 11:49
